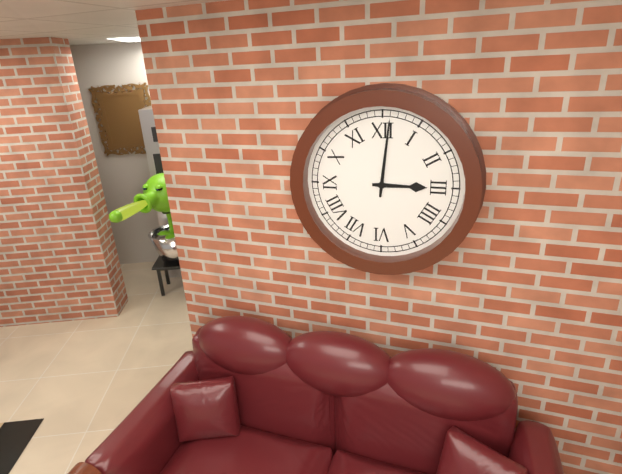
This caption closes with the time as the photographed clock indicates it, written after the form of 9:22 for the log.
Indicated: 3:01
